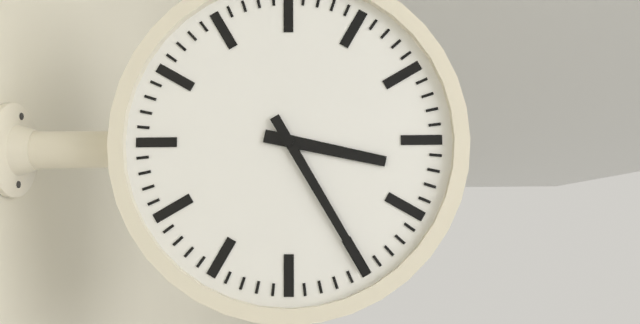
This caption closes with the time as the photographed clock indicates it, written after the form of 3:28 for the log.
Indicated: 3:25
